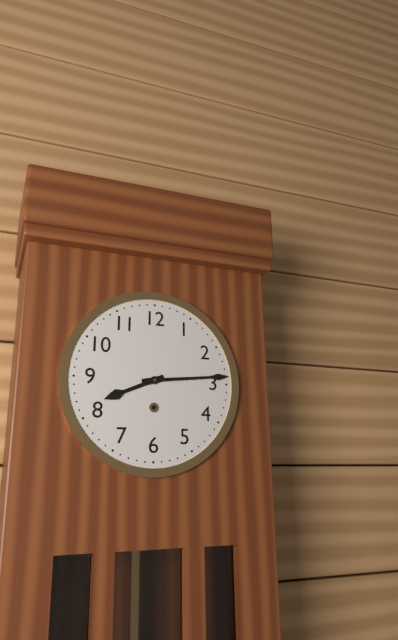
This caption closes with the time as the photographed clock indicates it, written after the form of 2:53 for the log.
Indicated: 8:14
